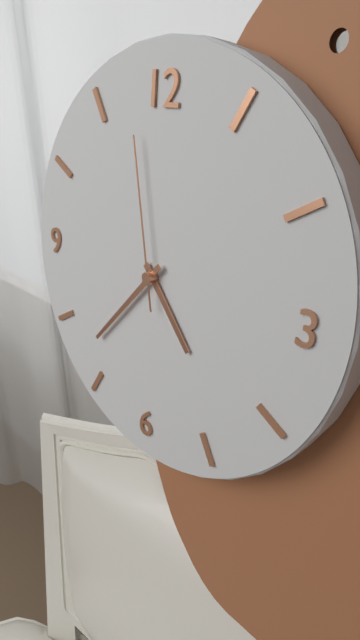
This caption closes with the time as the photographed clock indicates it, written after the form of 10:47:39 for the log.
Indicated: 4:37:58
